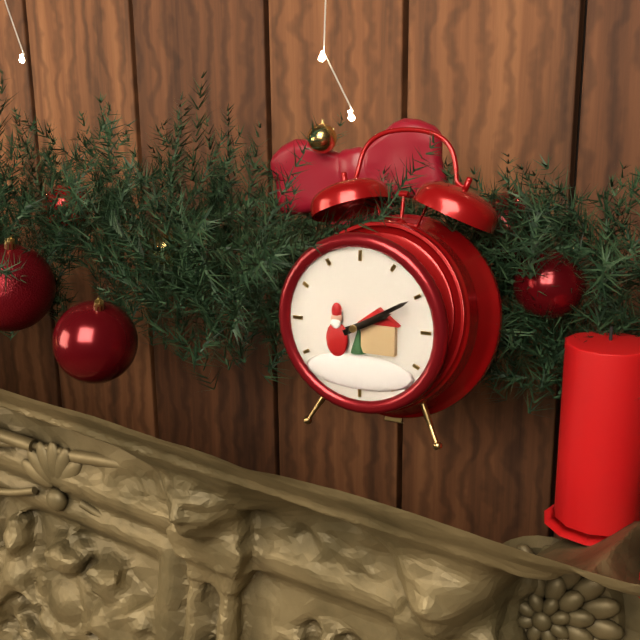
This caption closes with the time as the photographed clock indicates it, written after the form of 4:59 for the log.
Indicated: 2:10
